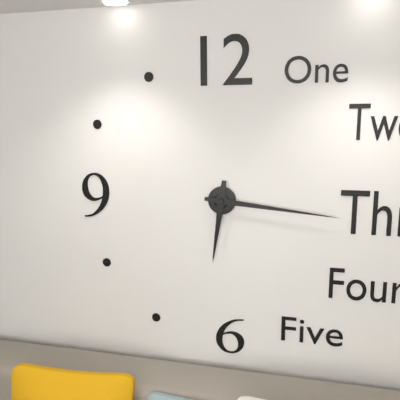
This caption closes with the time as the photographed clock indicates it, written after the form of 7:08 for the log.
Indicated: 6:16
